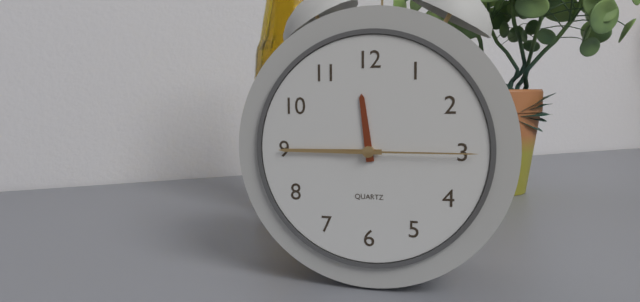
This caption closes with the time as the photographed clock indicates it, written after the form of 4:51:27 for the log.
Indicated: 11:45:15
